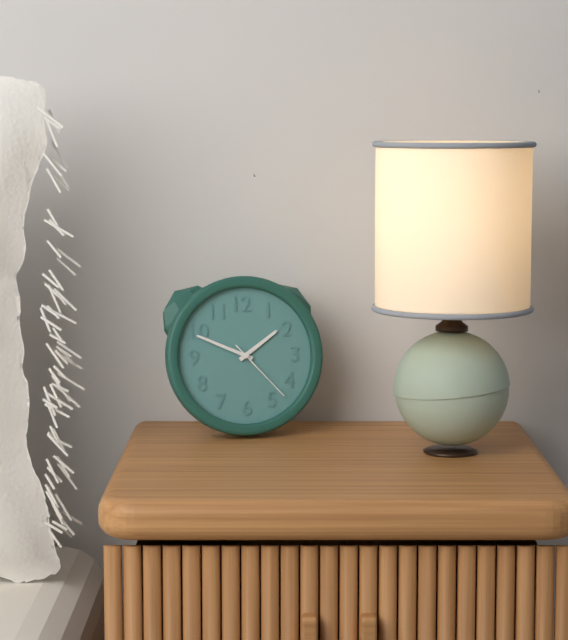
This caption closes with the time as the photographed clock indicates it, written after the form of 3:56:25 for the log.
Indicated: 1:49:23
